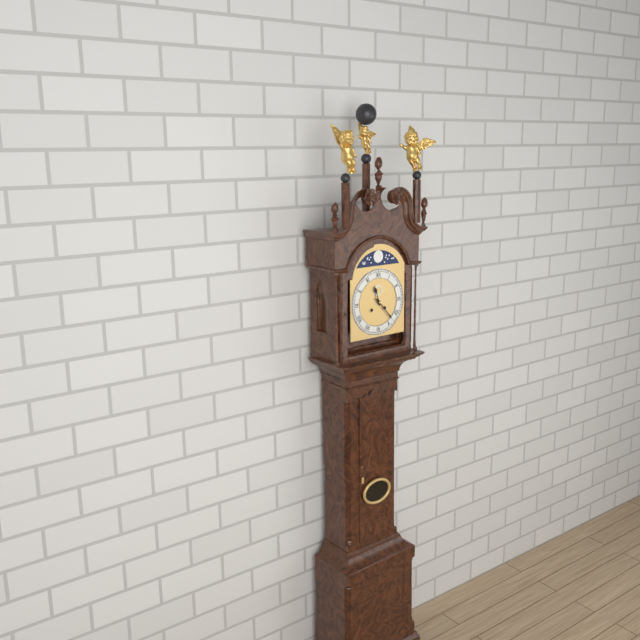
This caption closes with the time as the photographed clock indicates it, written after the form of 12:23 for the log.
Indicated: 11:23
